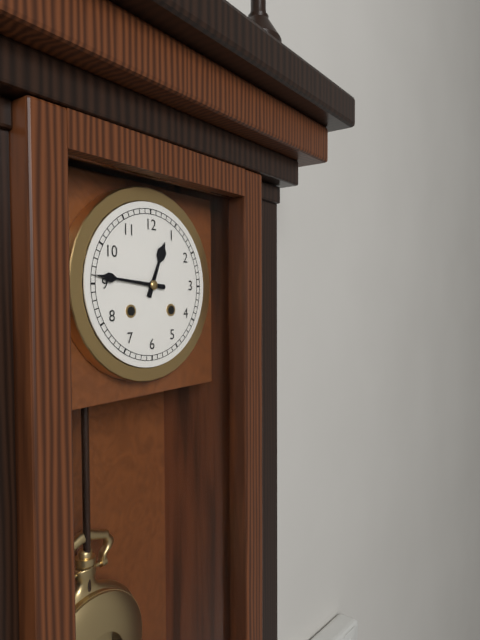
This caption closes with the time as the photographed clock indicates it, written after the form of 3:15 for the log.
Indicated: 12:46
